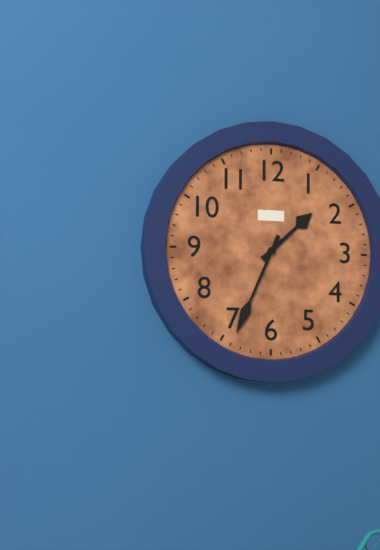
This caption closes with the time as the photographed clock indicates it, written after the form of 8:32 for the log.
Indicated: 1:34
